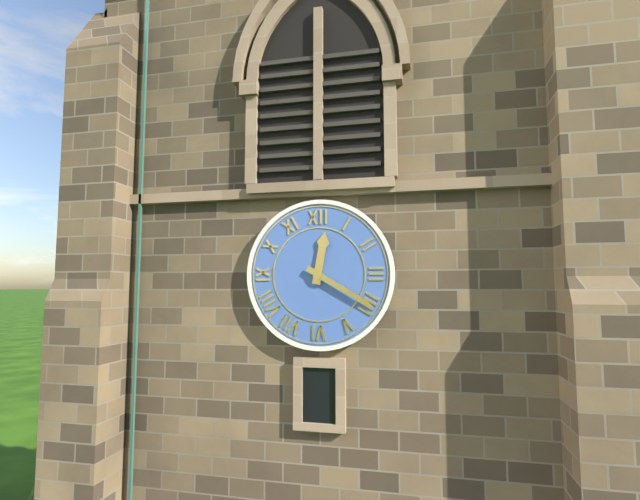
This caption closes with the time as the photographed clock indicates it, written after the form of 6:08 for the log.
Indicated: 12:20
